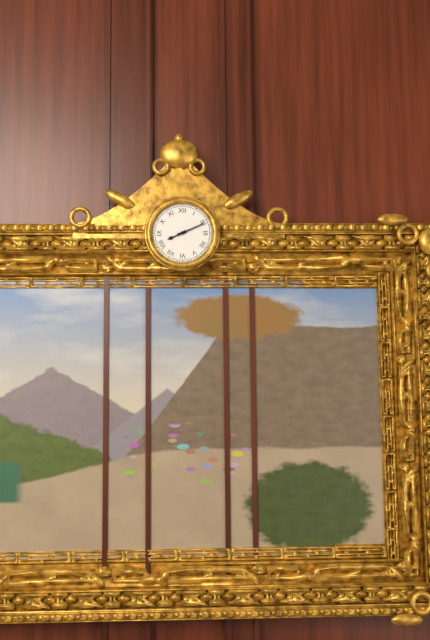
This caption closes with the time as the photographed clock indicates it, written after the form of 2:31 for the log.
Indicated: 8:11
